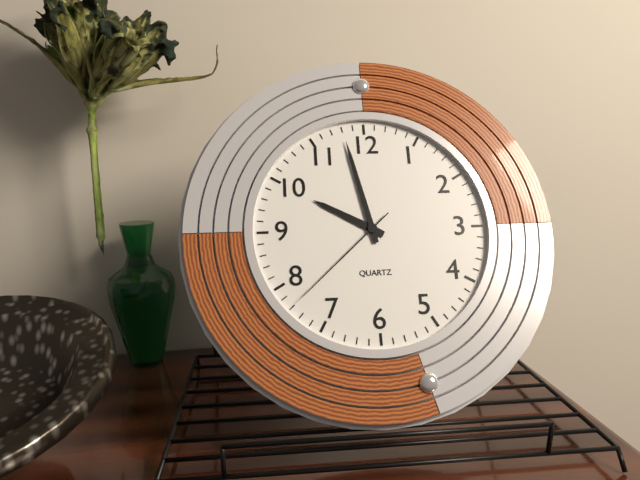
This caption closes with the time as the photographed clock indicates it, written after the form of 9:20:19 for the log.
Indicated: 9:58:38
